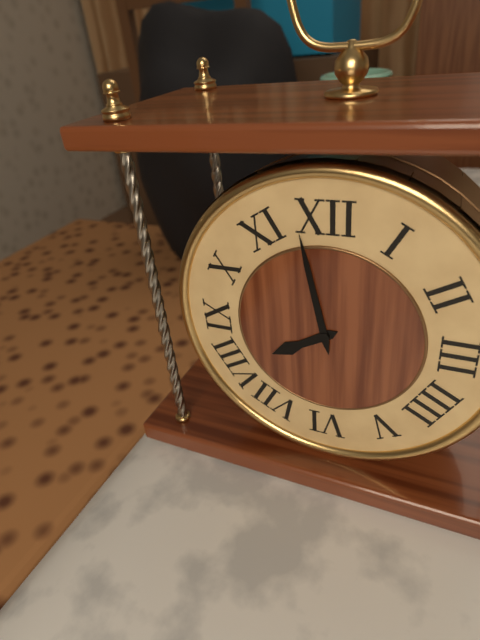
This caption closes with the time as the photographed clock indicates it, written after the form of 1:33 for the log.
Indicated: 7:58
